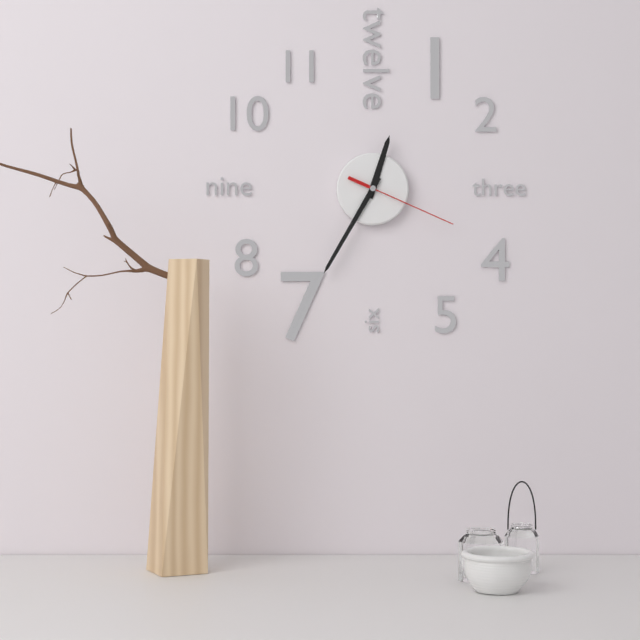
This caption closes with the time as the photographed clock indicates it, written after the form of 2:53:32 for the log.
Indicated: 12:35:19
